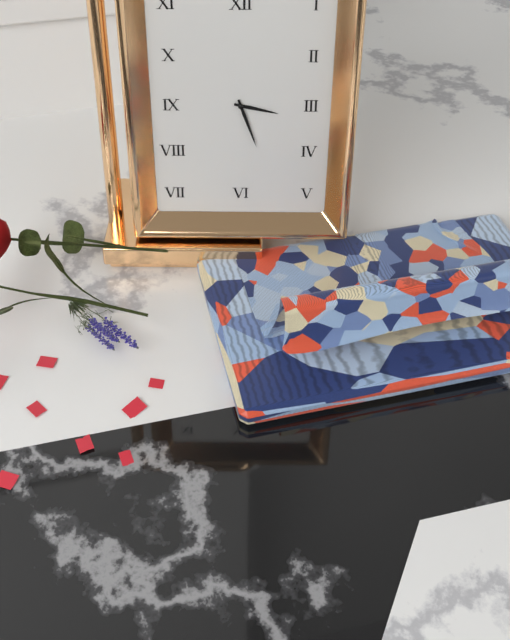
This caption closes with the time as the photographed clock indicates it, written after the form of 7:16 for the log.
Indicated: 3:27
